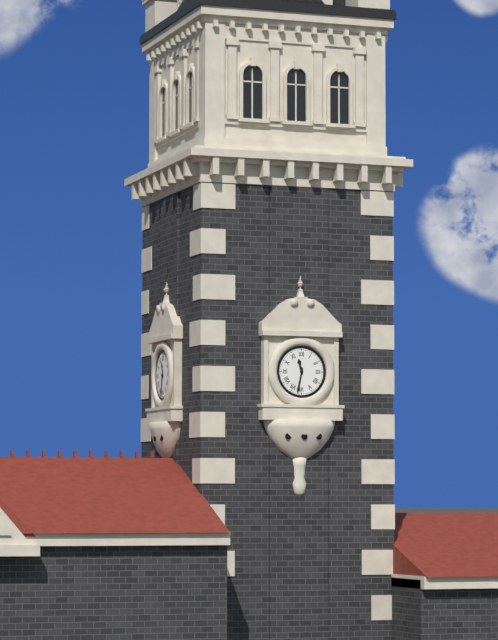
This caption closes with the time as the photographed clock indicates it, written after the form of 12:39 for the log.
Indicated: 11:32
